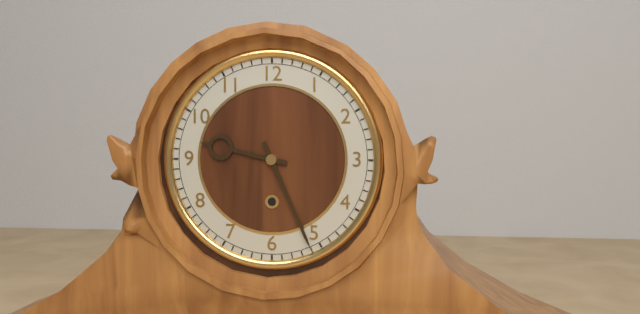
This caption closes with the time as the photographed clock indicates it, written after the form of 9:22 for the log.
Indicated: 9:26
